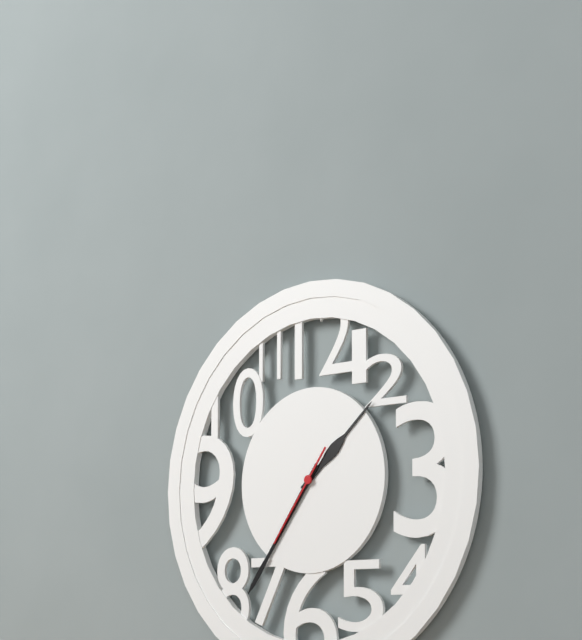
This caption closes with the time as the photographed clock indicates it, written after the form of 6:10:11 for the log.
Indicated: 1:36:36
